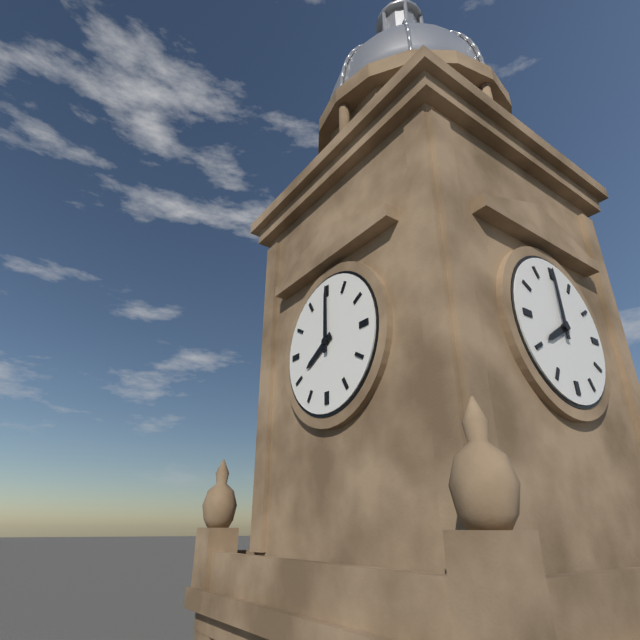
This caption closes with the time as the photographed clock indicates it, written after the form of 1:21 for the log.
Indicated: 8:00
